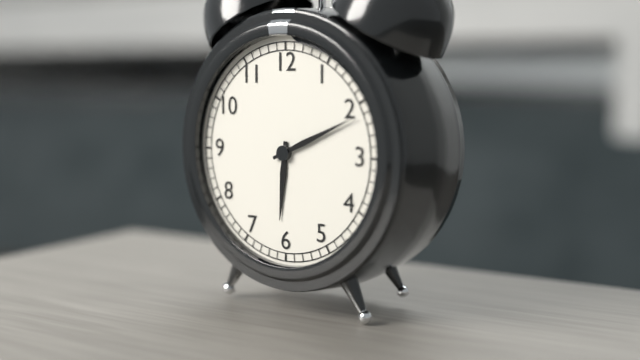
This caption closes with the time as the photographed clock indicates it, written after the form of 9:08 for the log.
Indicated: 6:11
